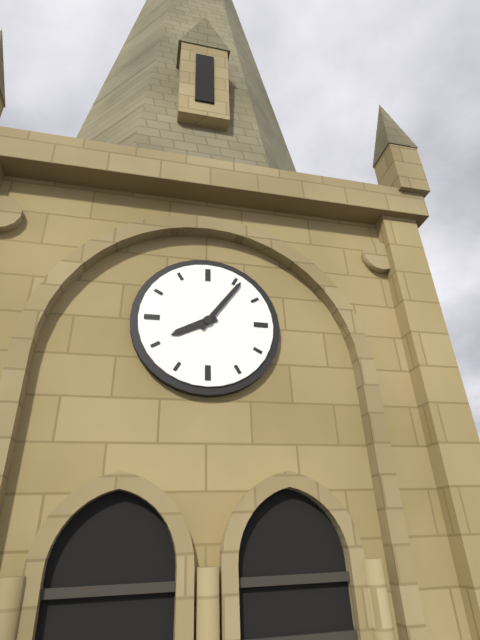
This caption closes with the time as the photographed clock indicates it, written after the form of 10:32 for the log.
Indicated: 8:06
